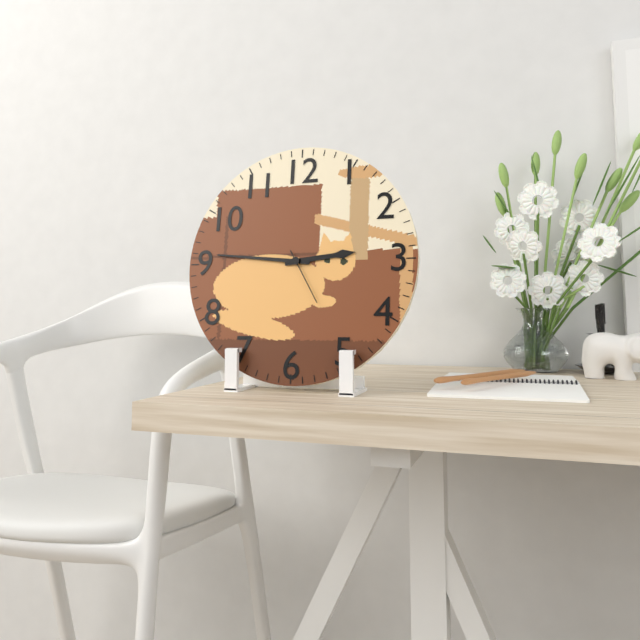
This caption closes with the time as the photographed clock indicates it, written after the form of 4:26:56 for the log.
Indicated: 2:46:25
